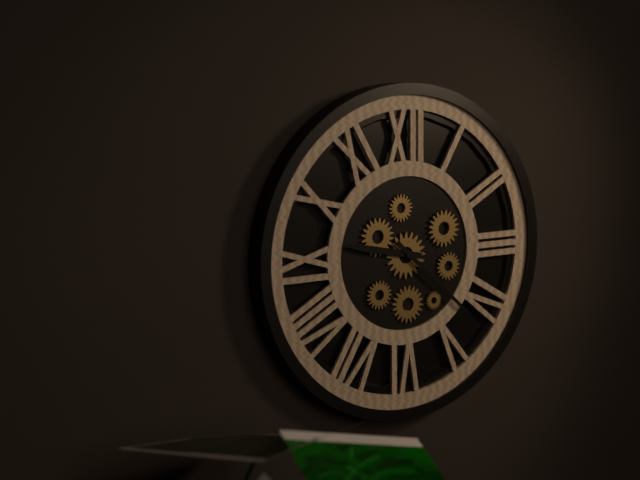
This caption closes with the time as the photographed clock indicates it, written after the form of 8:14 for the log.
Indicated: 9:22
